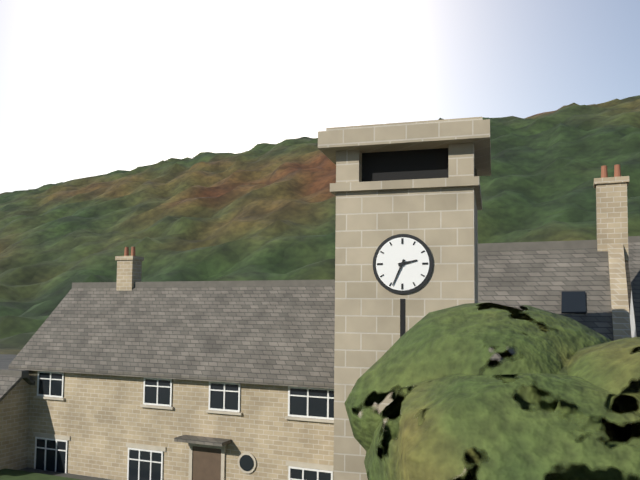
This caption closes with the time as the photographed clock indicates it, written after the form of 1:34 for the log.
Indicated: 2:34
